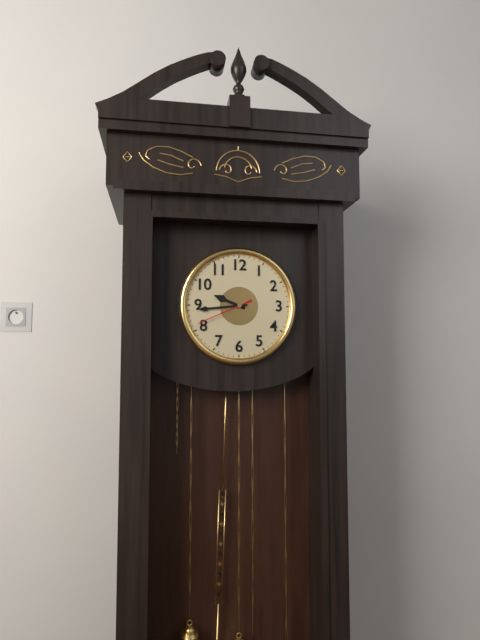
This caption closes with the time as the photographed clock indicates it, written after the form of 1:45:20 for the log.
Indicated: 9:44:41
